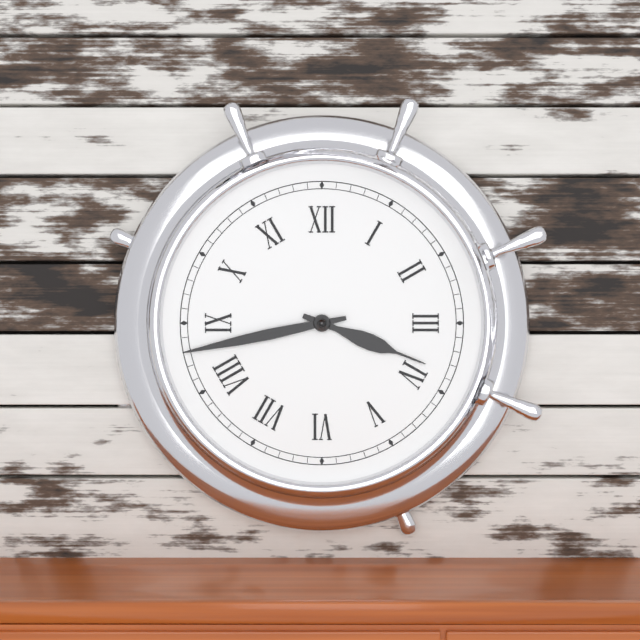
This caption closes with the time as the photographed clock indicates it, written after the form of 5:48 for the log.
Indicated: 3:43
